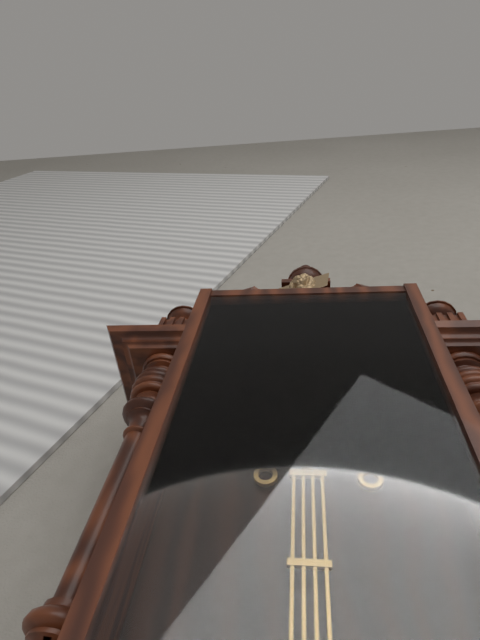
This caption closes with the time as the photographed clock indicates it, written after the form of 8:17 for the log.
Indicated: 10:10
